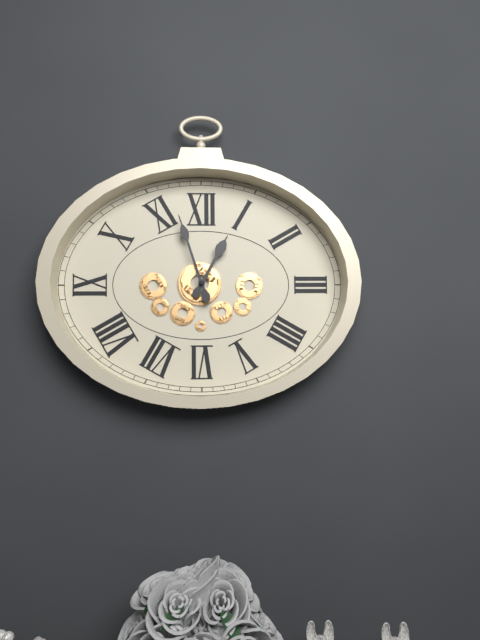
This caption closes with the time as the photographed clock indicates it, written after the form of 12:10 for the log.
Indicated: 12:57
